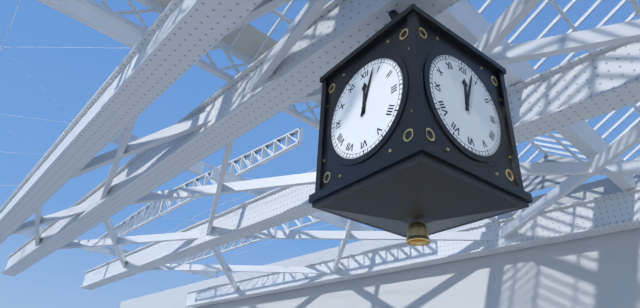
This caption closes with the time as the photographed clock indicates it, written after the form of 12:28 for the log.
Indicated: 12:03
